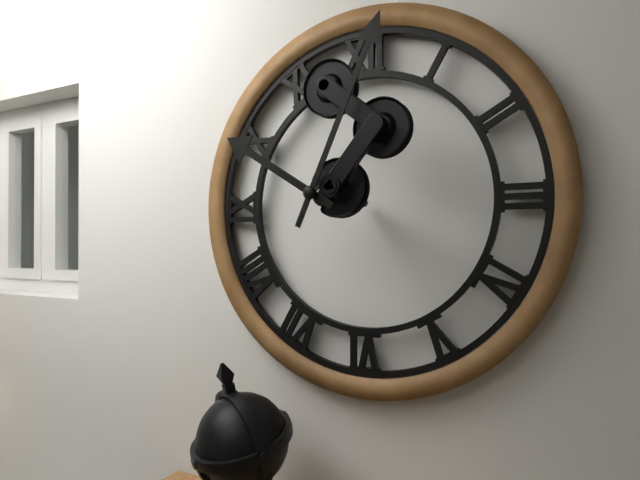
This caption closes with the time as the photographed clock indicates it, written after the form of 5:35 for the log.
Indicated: 10:04
